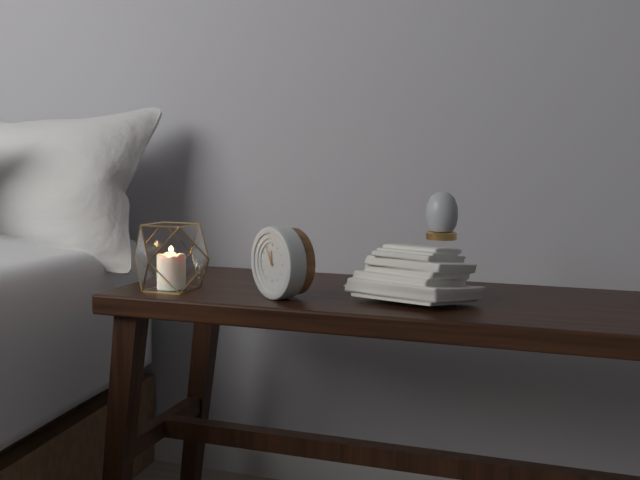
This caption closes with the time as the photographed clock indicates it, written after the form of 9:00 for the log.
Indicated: 11:55
